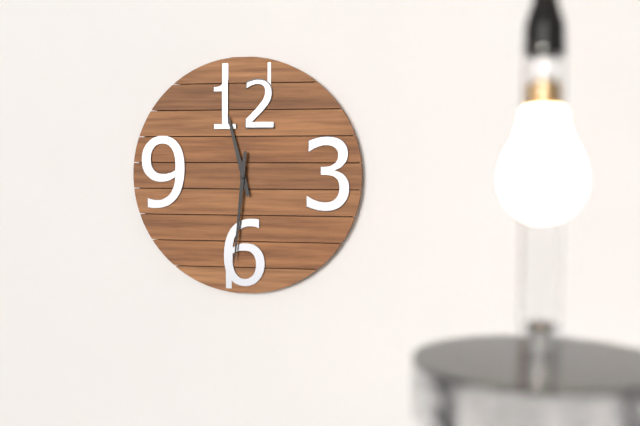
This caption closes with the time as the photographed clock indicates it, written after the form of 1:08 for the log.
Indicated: 11:31
